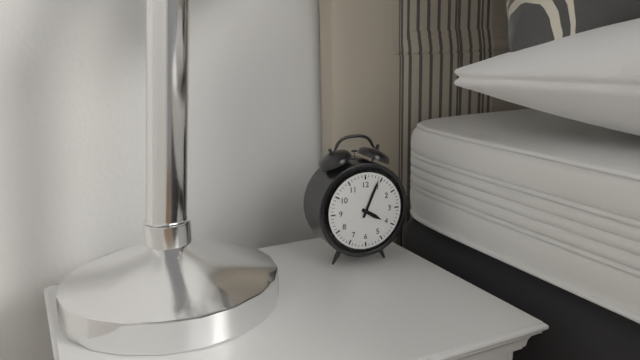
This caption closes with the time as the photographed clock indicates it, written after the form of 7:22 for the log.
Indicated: 4:04
